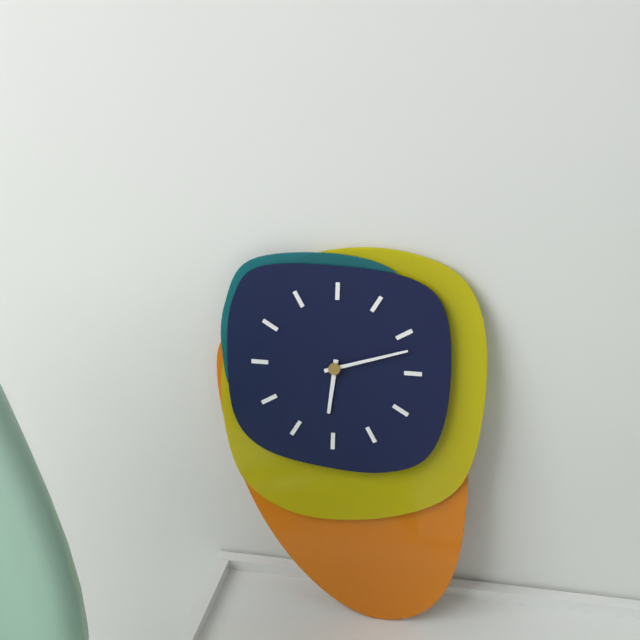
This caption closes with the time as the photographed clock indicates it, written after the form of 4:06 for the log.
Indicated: 6:12
